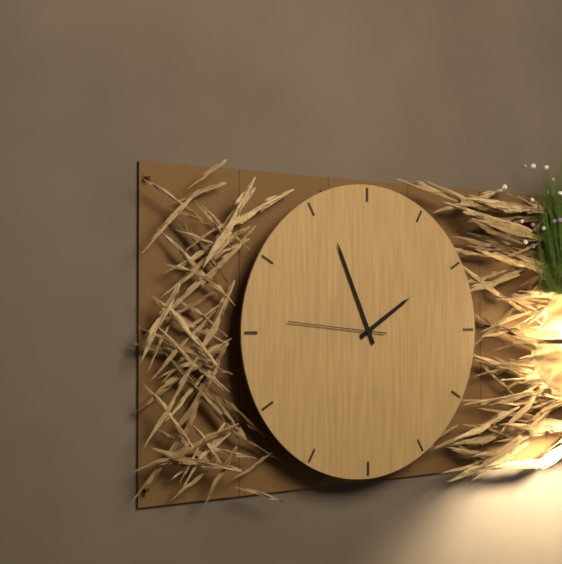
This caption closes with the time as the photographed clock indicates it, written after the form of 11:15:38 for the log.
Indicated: 1:56:46
